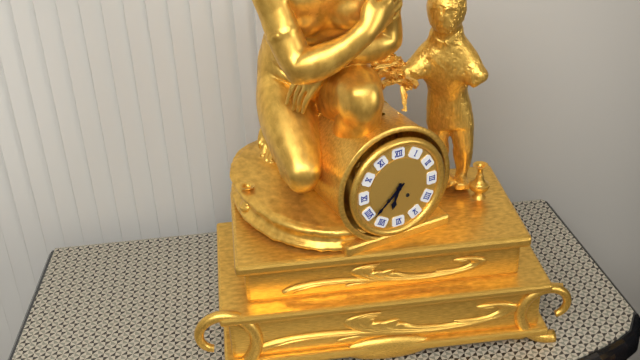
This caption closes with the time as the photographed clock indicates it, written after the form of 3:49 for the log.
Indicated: 6:38
